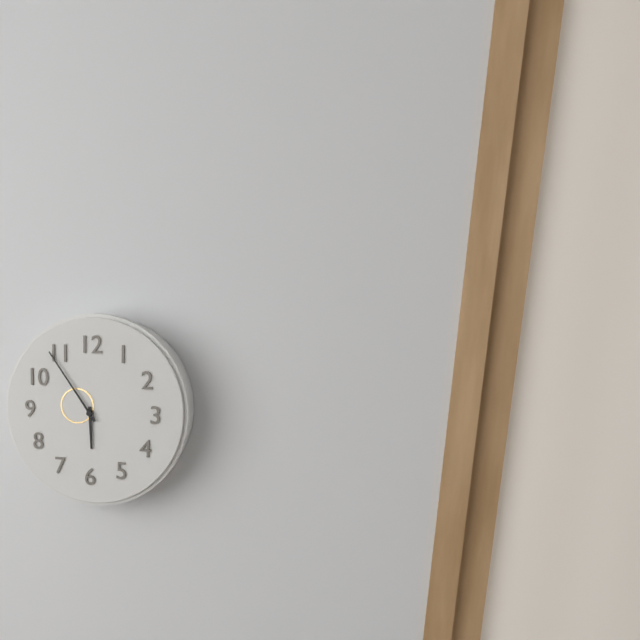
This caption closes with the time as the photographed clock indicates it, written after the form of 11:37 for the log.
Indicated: 5:54
